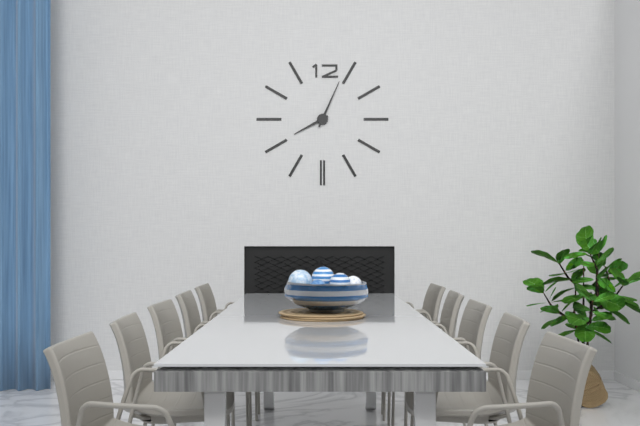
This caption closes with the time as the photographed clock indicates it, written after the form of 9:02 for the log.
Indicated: 8:04
